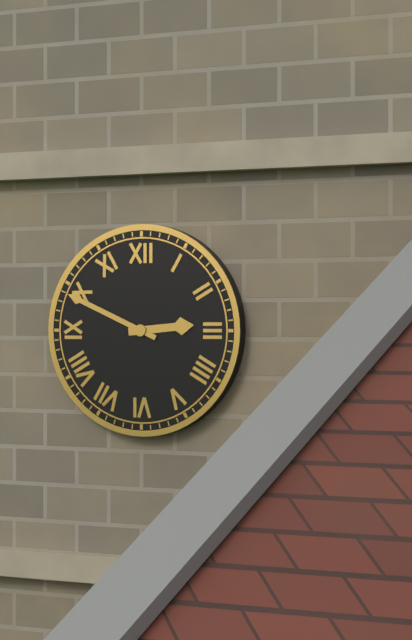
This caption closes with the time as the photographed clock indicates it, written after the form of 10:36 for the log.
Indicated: 2:49
